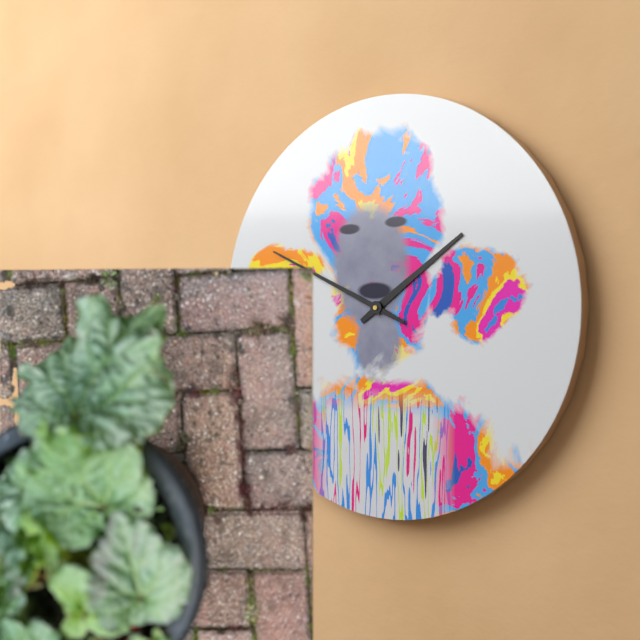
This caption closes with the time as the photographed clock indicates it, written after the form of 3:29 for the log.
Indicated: 1:49
